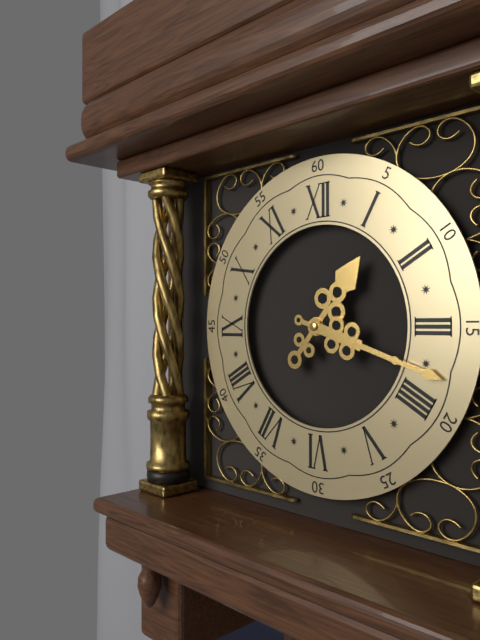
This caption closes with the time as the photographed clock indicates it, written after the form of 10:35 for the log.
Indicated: 1:18
